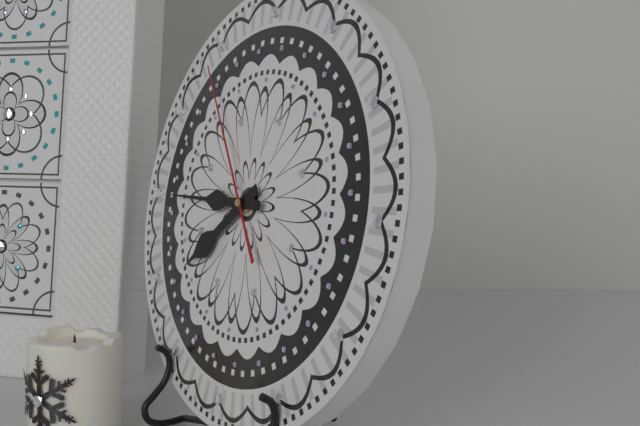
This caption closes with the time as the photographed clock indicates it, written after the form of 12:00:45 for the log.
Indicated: 7:45:54
